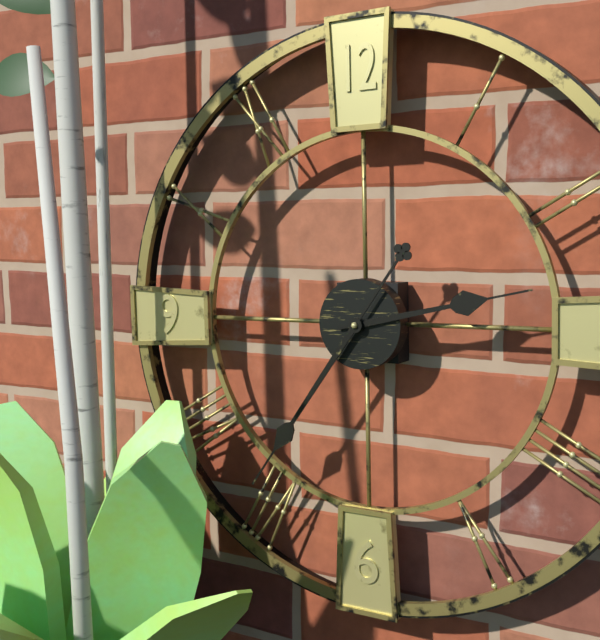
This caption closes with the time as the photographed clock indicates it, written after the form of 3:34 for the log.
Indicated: 2:36
